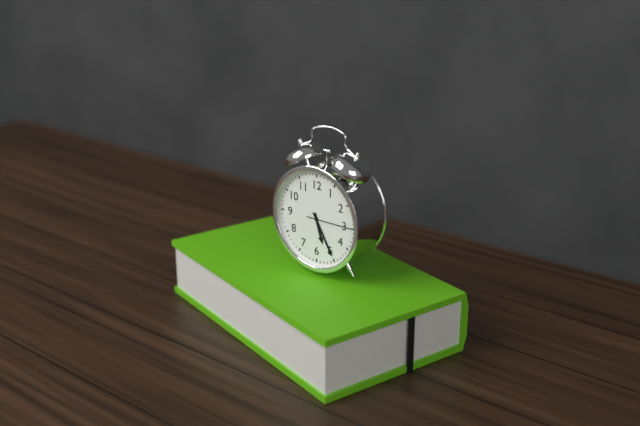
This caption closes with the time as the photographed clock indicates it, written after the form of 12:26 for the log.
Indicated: 5:25
